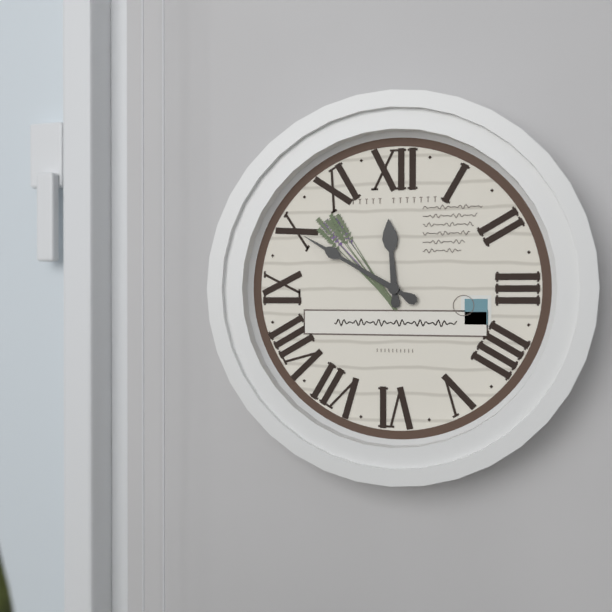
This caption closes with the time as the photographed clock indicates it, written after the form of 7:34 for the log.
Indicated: 11:50
